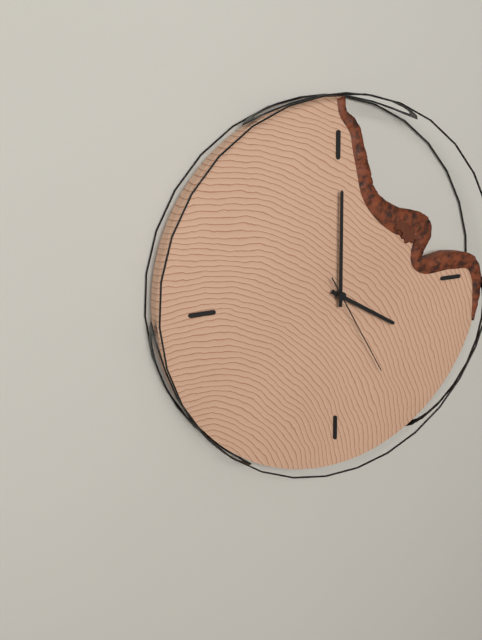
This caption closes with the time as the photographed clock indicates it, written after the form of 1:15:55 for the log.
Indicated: 4:00:25
